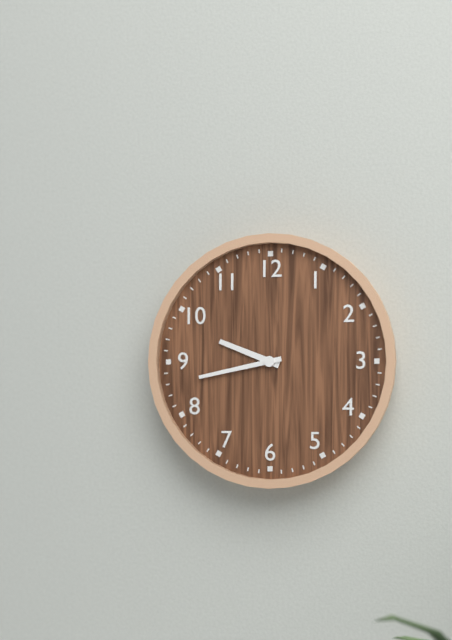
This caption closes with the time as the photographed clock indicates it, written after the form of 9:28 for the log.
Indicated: 9:43
